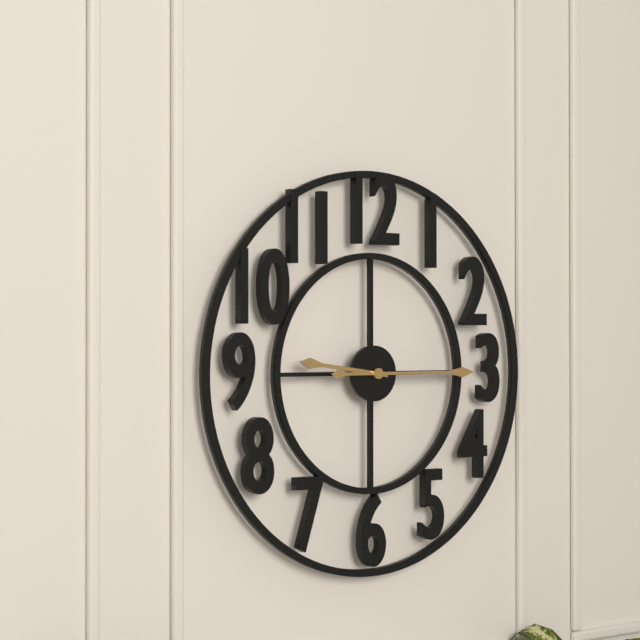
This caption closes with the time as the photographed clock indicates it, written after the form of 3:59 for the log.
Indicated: 9:15
